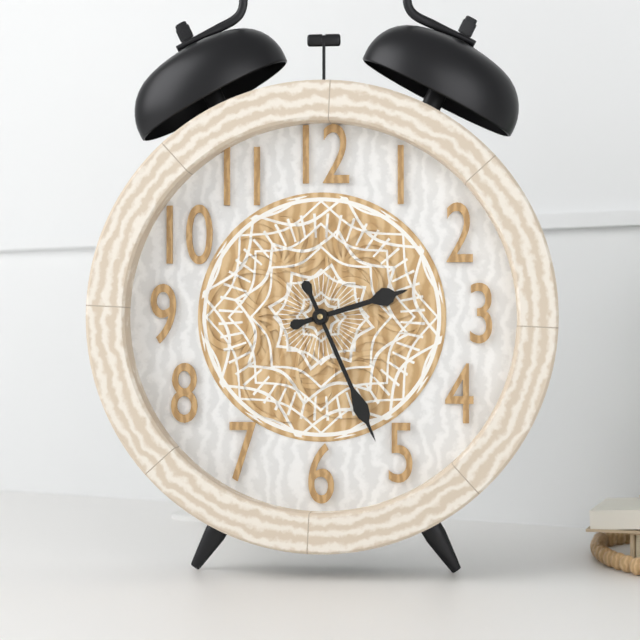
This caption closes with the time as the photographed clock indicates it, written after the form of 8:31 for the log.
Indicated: 2:26
